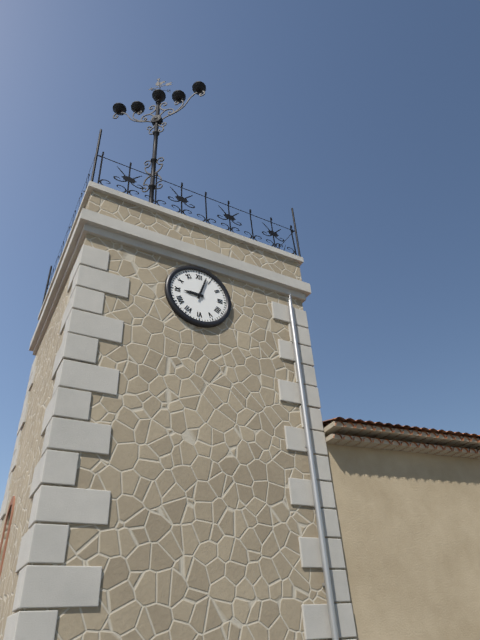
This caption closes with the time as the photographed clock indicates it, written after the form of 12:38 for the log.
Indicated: 9:03
